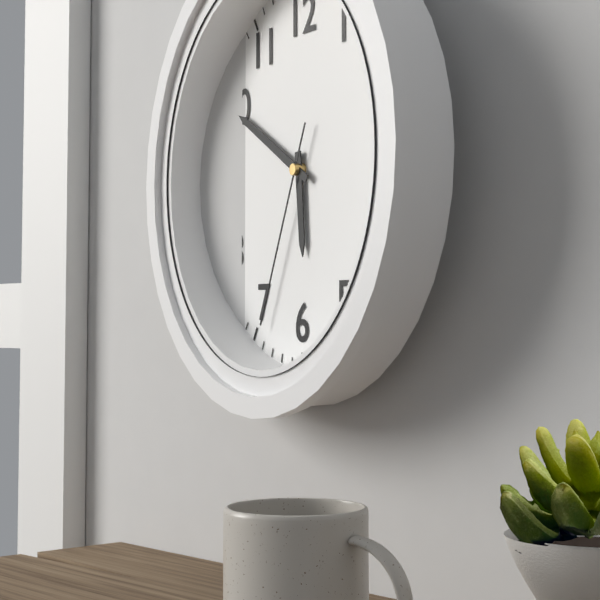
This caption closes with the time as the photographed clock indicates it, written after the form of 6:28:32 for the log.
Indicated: 5:50:34
